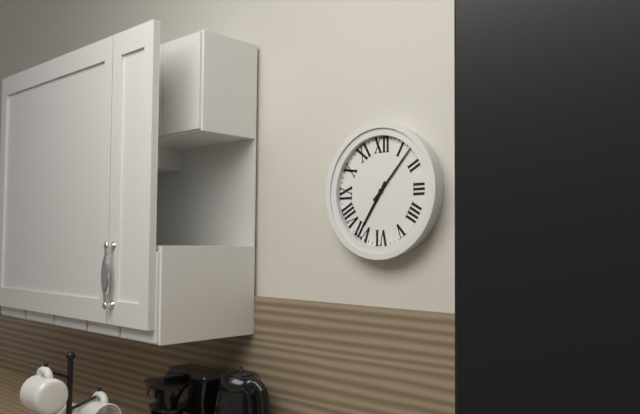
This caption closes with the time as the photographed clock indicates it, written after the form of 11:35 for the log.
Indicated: 7:07
